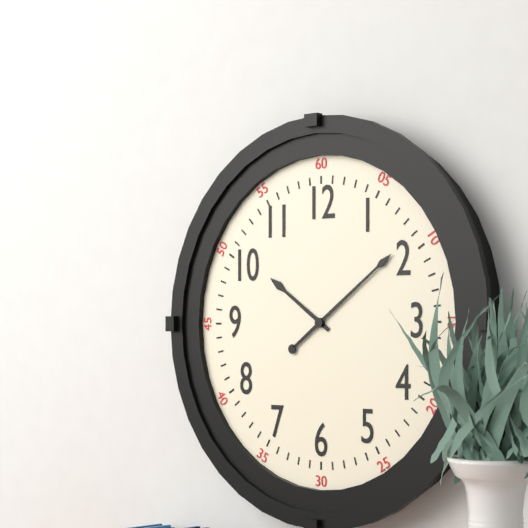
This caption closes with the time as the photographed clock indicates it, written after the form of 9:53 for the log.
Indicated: 10:09
